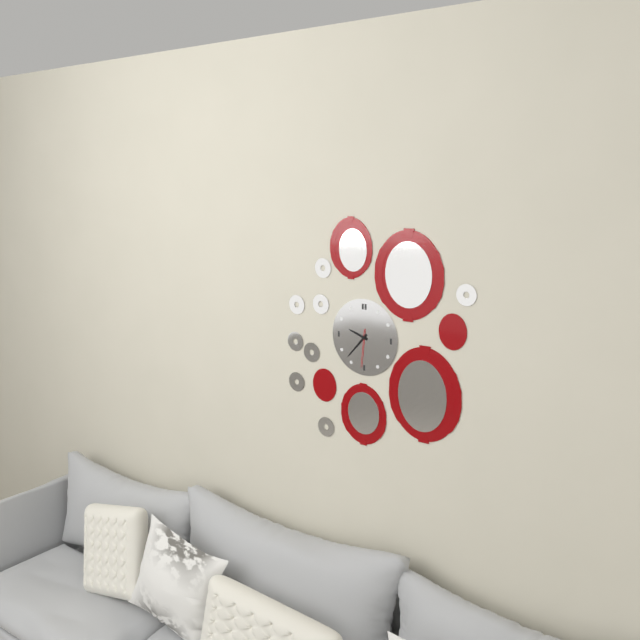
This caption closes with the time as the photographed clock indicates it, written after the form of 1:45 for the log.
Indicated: 9:37
